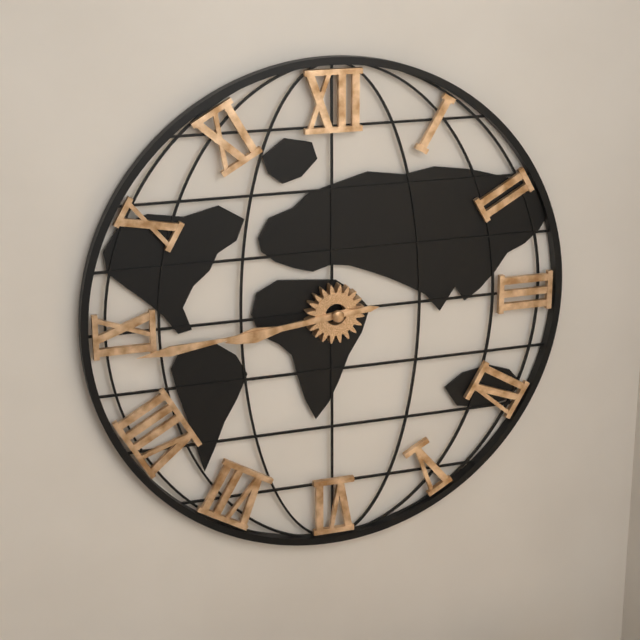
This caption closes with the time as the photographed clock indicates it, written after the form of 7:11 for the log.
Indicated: 8:44
